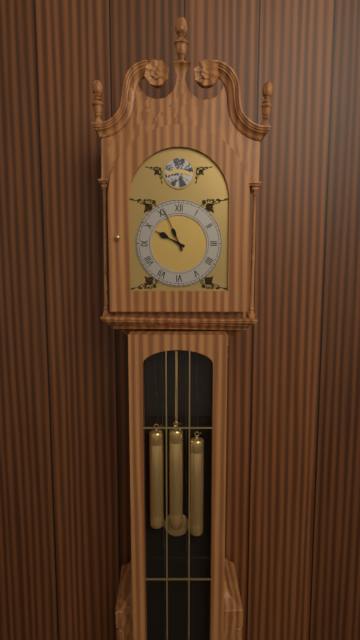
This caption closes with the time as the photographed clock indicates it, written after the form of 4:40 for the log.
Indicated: 9:56
